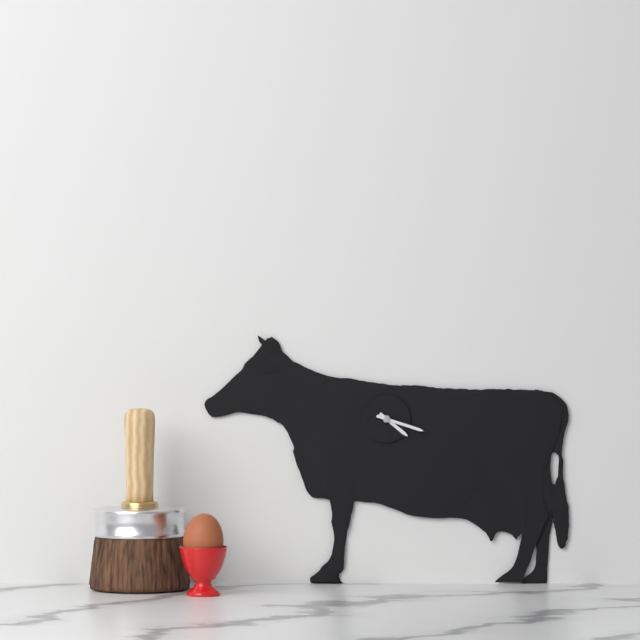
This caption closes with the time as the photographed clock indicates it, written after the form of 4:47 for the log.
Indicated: 4:18
